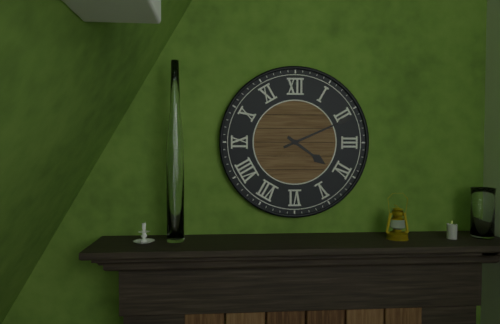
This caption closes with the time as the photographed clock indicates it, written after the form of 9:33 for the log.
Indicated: 4:11
